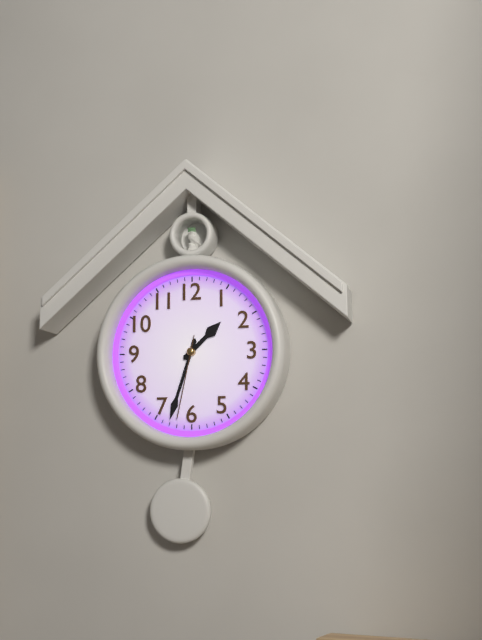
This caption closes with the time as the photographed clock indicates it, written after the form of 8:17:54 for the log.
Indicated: 1:33:32
